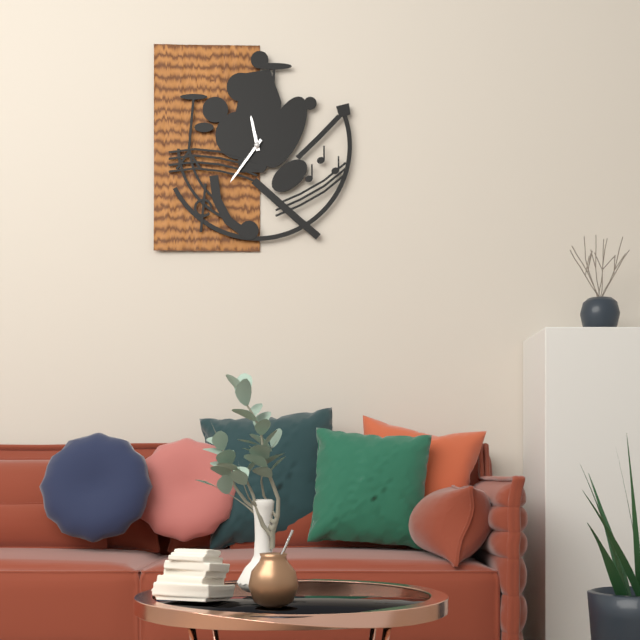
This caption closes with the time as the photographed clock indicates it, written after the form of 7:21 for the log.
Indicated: 11:36
